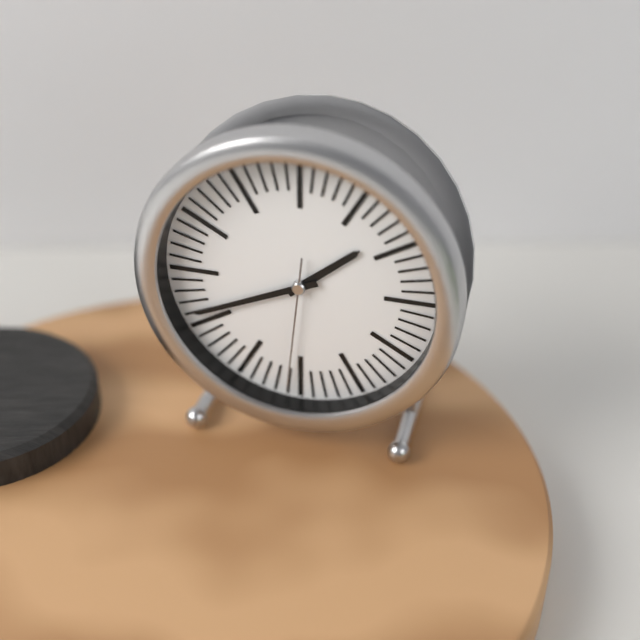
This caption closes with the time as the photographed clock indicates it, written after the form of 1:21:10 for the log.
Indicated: 1:41:31
